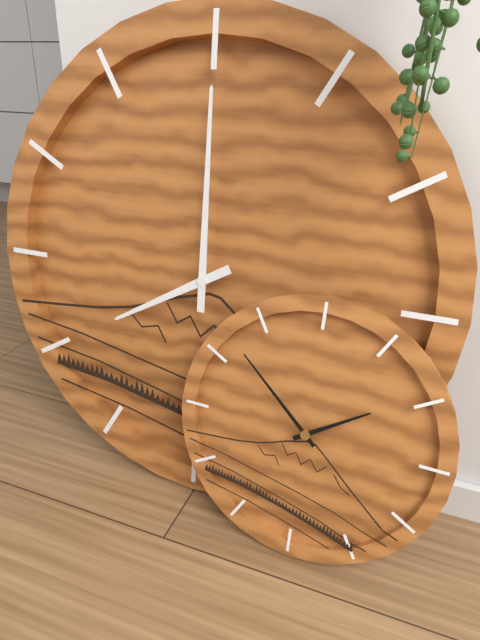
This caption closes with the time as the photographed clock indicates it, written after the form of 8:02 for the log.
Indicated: 8:00
